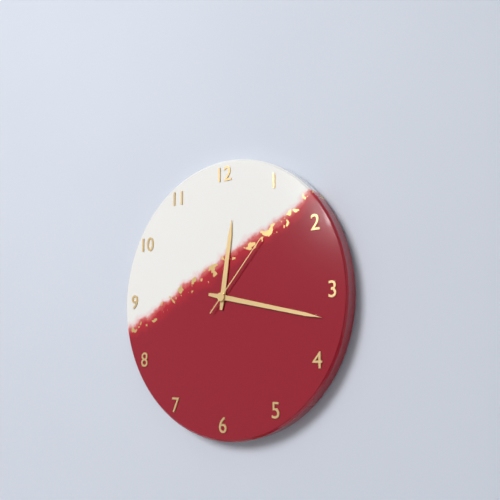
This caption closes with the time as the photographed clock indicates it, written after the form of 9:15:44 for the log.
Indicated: 12:17:07
